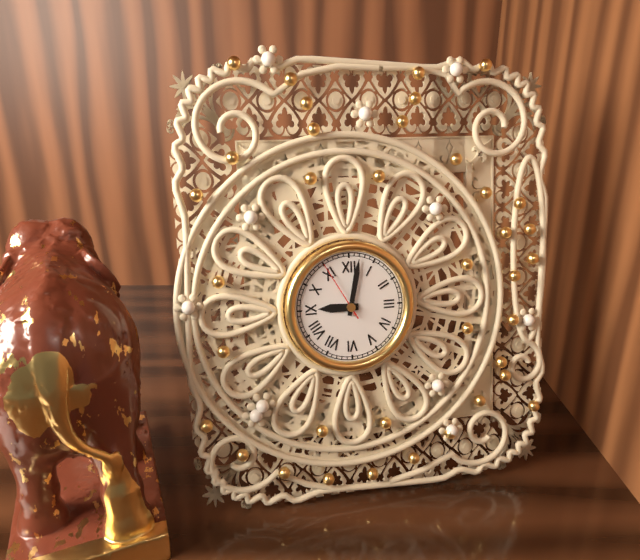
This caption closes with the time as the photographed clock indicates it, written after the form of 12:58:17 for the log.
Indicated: 9:02:55
